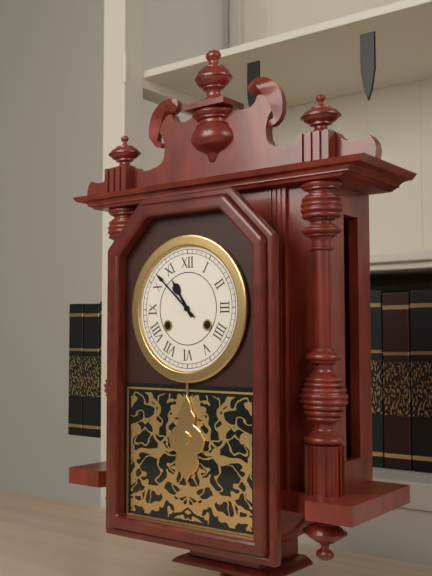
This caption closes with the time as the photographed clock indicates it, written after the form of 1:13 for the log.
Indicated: 10:52
